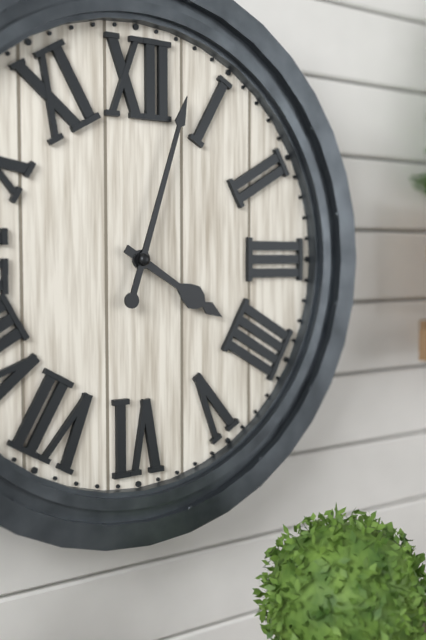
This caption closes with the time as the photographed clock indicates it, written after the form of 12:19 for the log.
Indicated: 4:03
